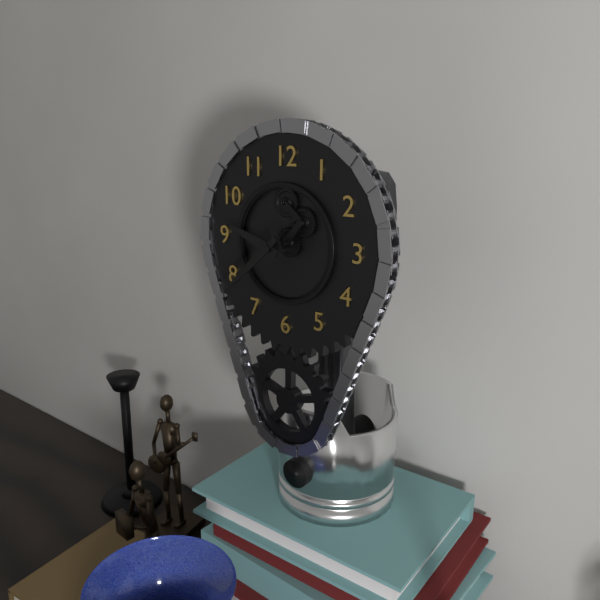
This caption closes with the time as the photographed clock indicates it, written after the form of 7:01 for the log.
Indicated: 9:38
